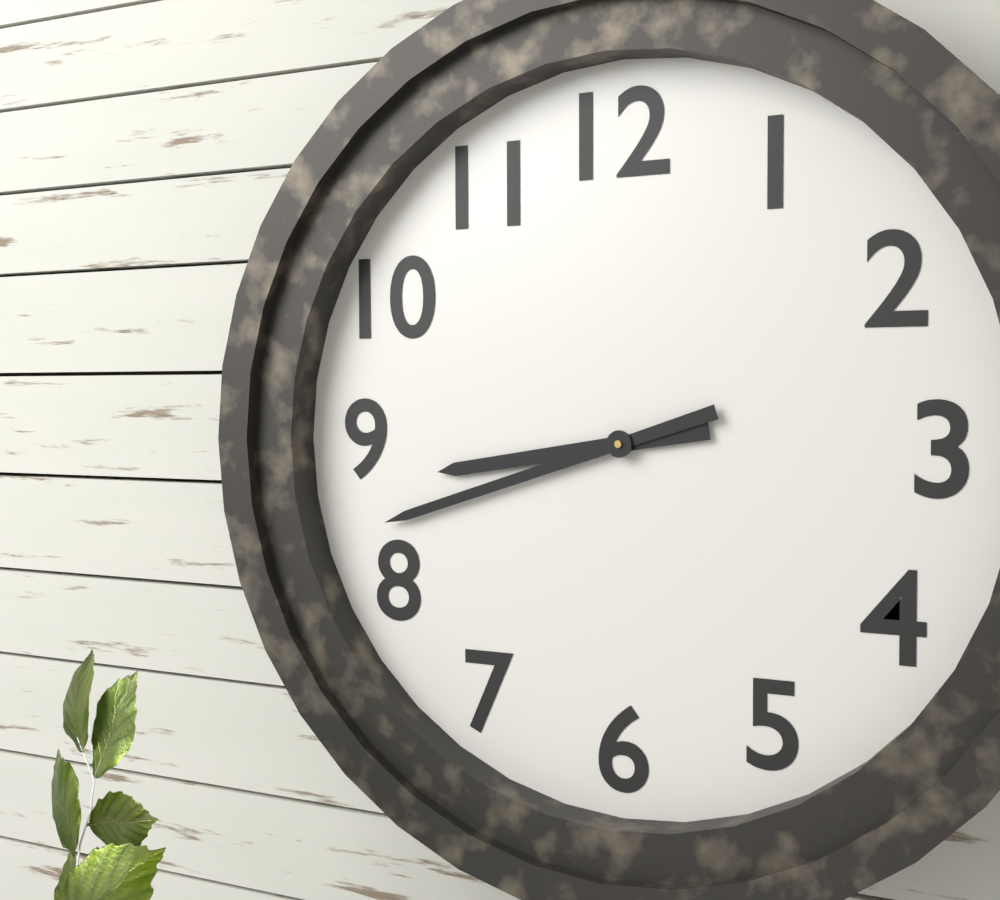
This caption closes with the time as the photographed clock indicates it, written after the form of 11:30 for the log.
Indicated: 8:42
